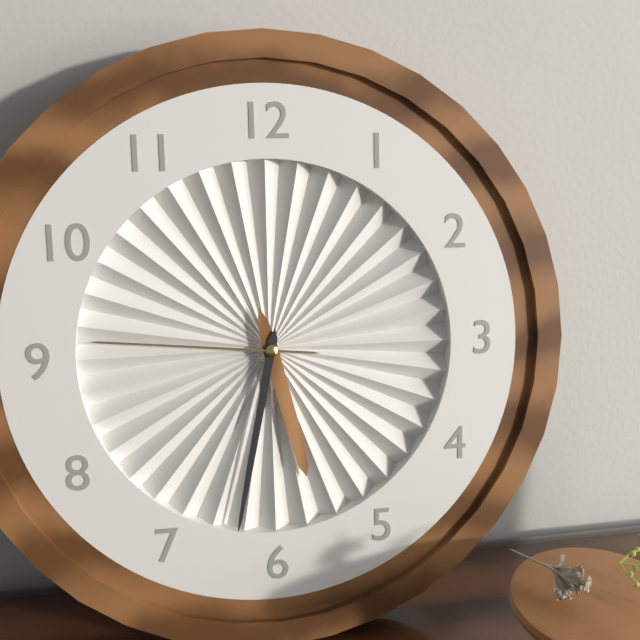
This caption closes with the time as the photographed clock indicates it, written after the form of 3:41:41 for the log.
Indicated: 5:32:46
